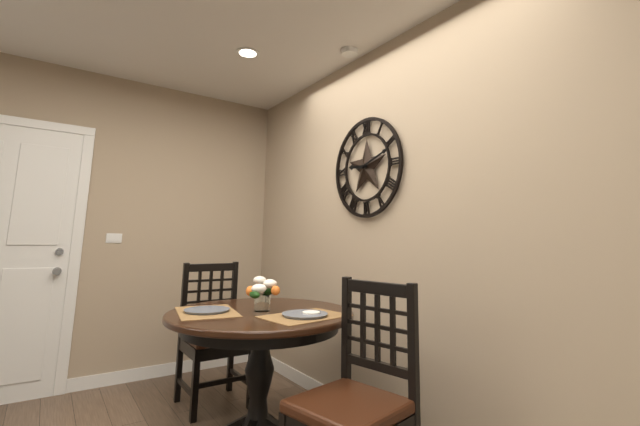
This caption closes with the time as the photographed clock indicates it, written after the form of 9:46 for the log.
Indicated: 9:12
